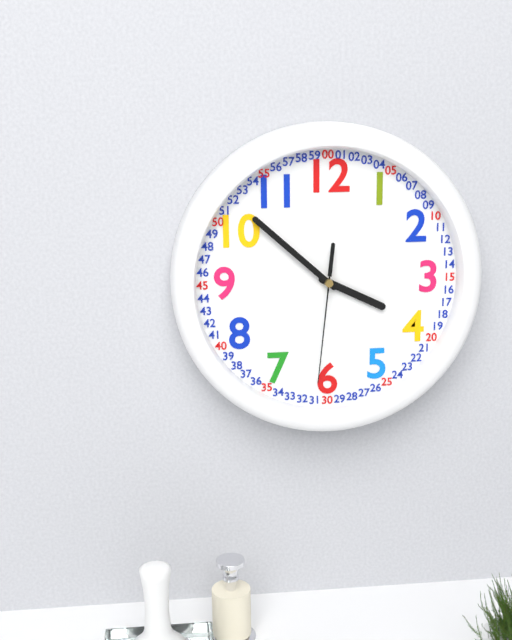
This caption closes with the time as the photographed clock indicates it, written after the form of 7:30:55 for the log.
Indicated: 3:52:31
